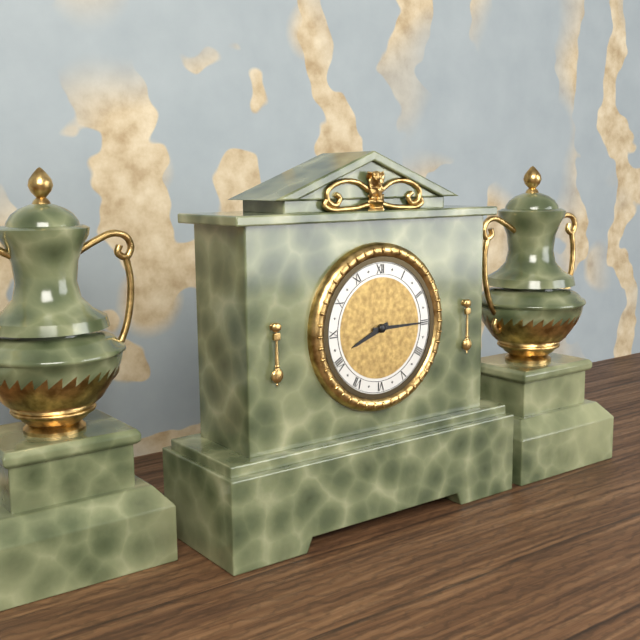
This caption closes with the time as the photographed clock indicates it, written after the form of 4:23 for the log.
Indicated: 8:15
